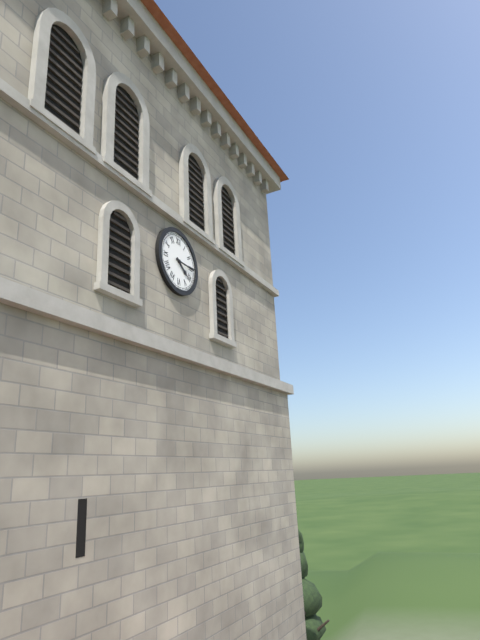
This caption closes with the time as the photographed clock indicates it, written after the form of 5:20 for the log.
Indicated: 4:15
